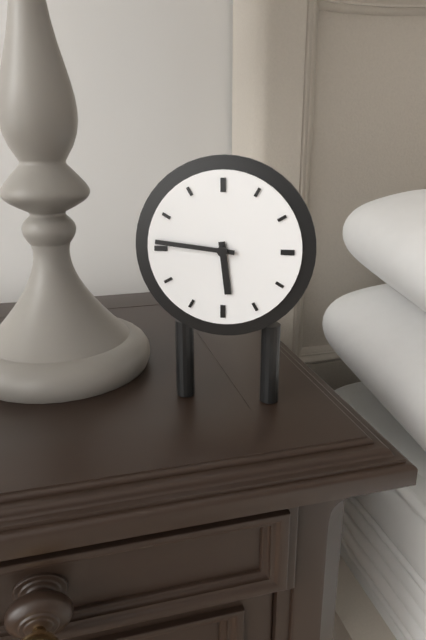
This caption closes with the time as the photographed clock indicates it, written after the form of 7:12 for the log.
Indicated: 5:46
